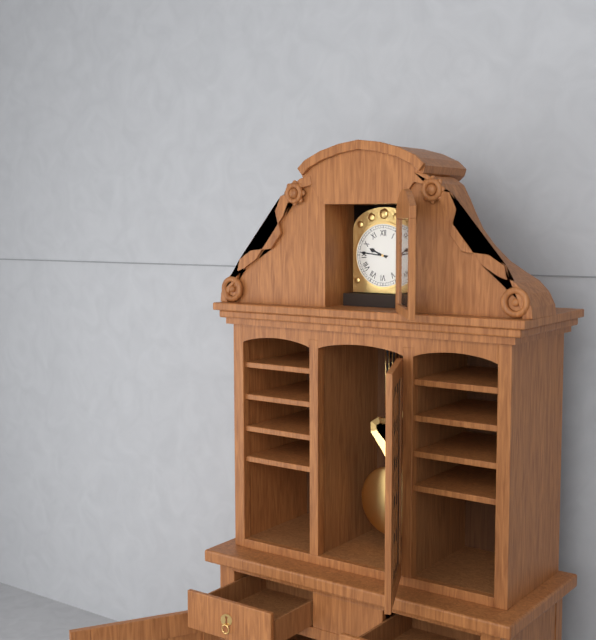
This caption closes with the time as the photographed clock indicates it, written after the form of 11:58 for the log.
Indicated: 9:46
